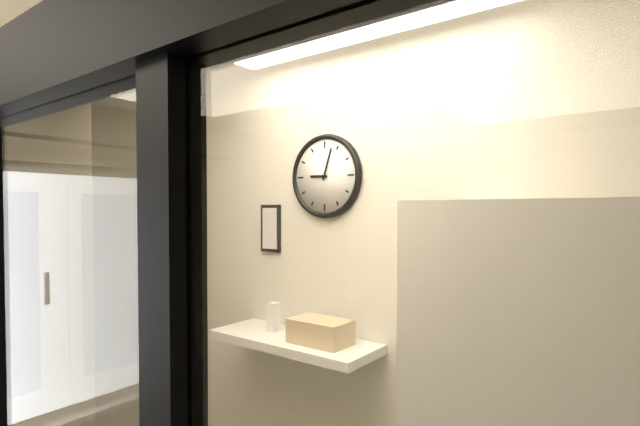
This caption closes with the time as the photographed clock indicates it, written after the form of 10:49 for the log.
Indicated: 9:03
